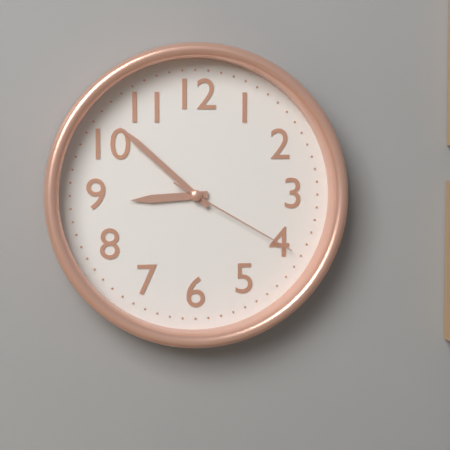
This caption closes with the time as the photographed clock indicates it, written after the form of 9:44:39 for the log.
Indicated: 8:52:20
